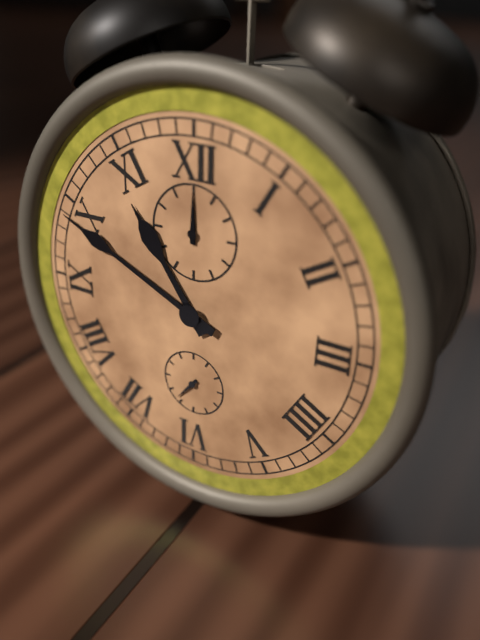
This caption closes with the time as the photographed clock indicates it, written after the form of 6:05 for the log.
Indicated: 10:49
